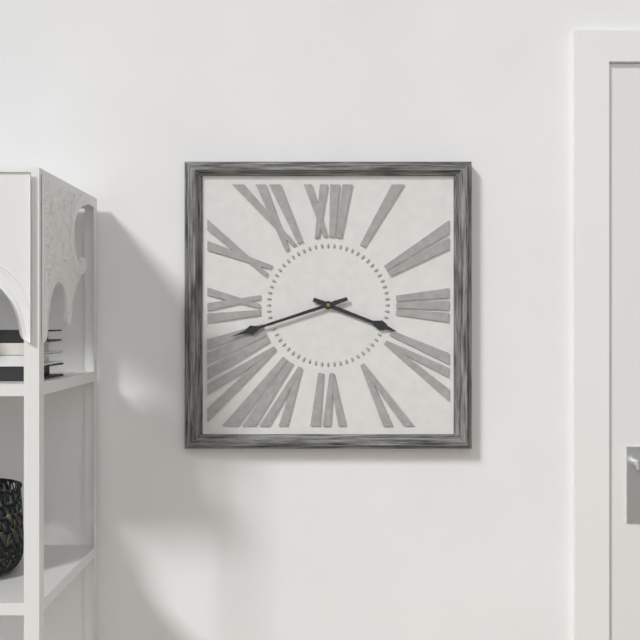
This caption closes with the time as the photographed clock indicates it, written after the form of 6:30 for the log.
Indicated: 3:42
